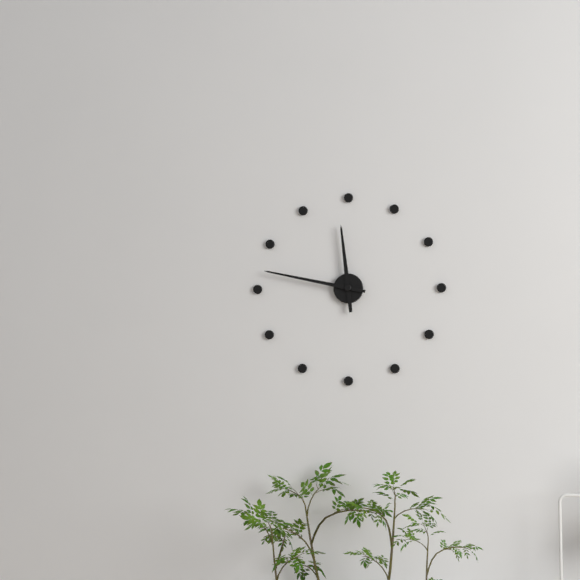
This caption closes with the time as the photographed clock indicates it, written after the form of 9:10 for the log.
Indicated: 11:47
